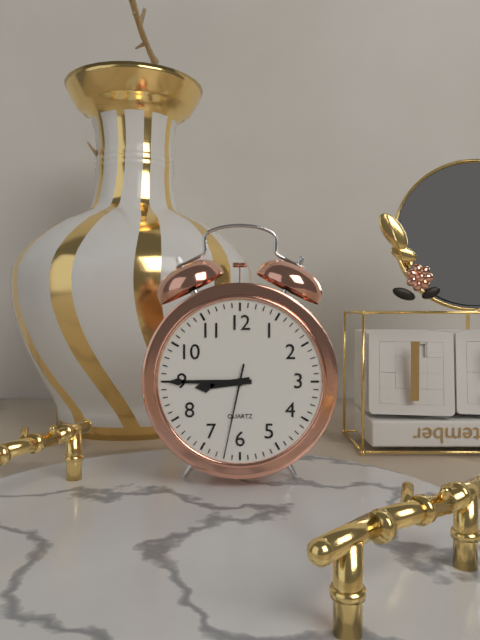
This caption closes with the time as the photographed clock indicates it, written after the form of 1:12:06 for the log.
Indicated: 8:45:32
